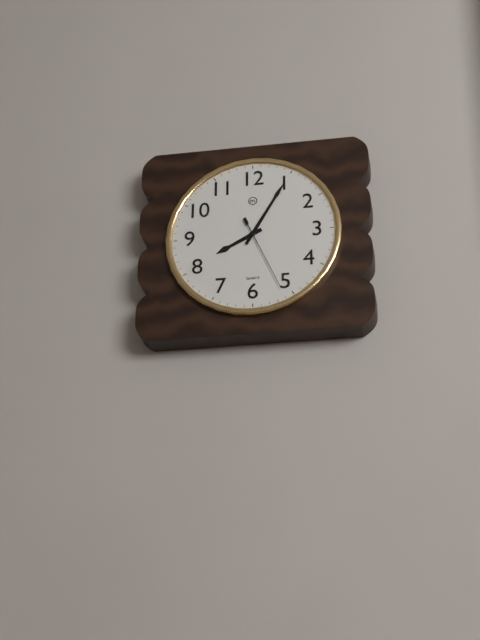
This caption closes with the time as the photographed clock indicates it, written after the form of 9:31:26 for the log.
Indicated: 8:05:26
